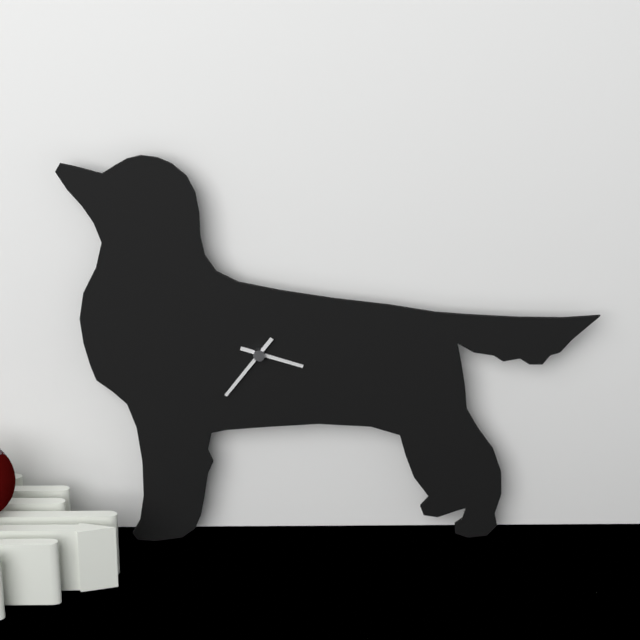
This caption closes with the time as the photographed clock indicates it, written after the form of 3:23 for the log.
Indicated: 3:36
